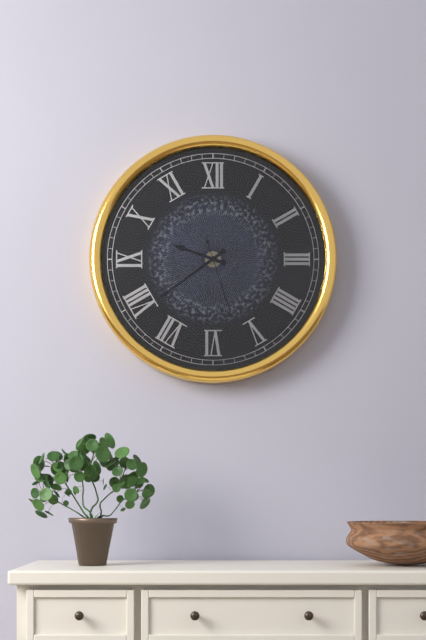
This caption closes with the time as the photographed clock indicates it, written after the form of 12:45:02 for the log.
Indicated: 9:39:27
